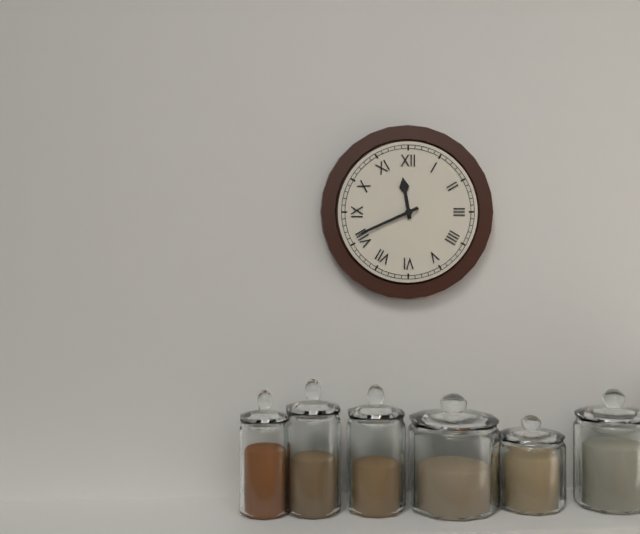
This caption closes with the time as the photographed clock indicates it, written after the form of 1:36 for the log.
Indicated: 11:41
